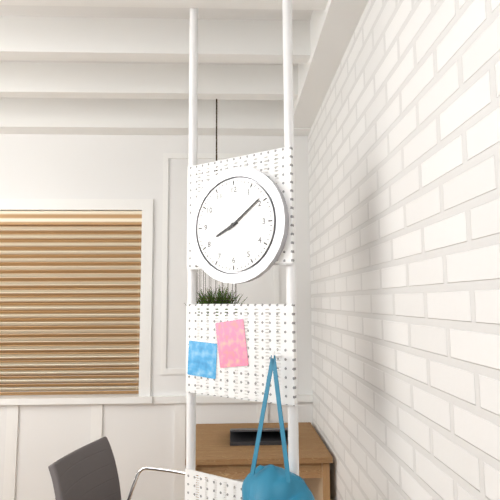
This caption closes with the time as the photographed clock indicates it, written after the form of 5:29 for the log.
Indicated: 8:09
